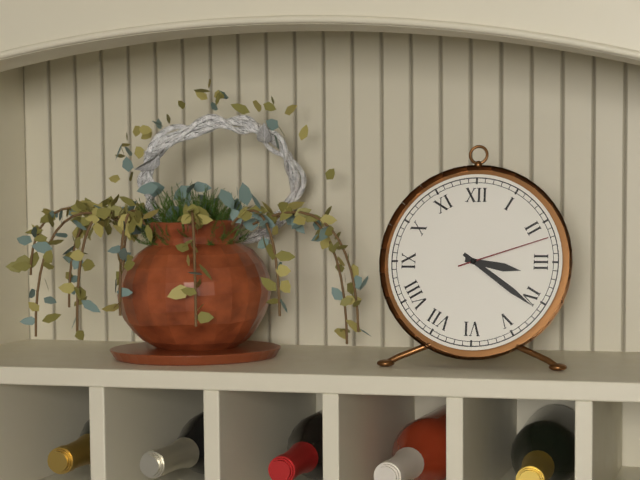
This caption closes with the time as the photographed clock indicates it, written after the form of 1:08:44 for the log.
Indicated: 3:21:12
